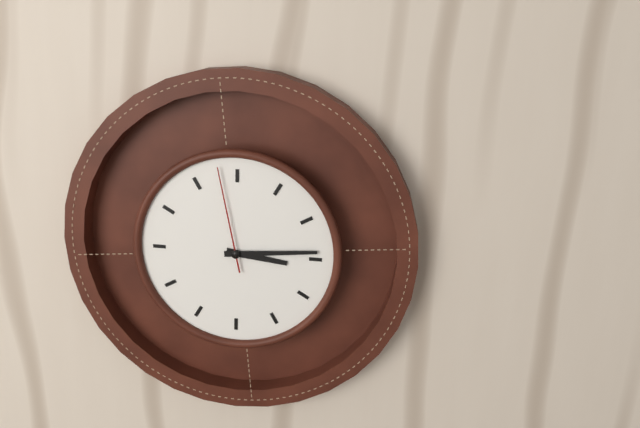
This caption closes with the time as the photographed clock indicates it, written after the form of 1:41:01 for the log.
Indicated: 3:14:58
